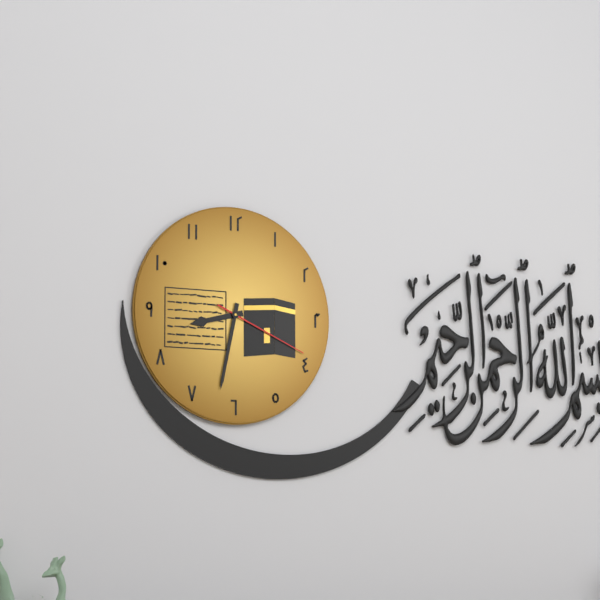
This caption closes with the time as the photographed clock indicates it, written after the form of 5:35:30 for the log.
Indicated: 8:32:19
